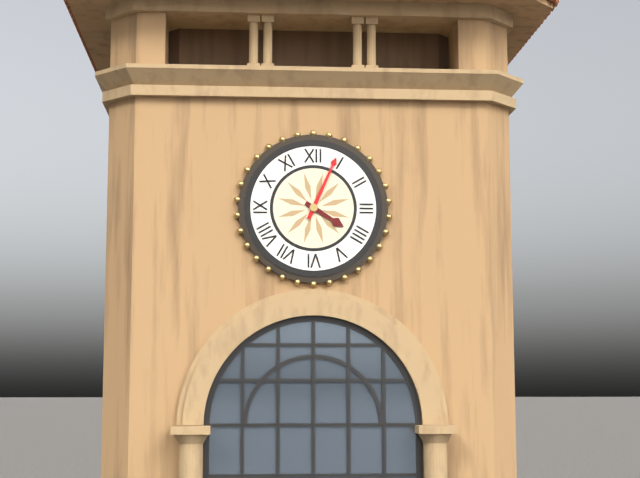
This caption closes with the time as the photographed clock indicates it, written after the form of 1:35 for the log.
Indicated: 4:04
